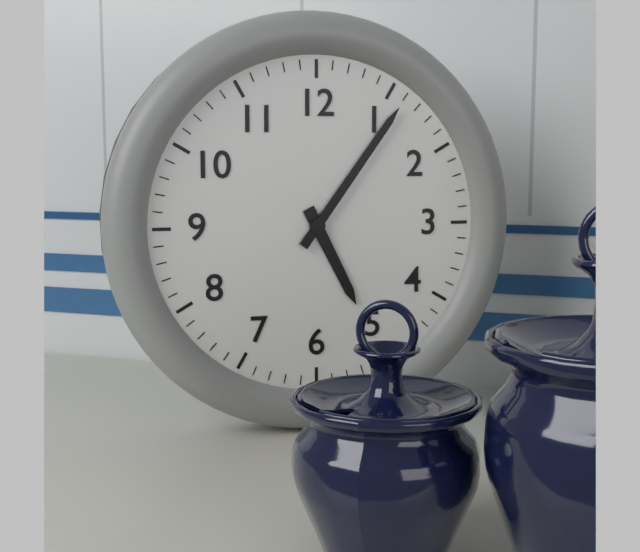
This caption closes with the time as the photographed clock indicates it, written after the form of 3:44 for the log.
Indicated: 5:06
